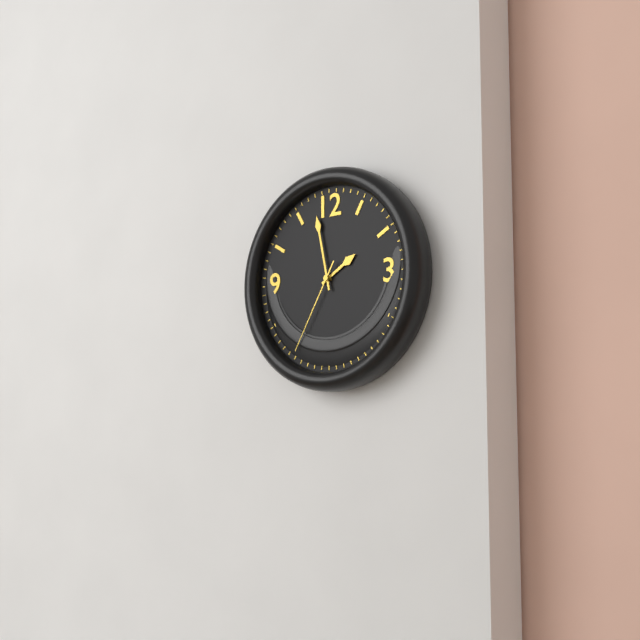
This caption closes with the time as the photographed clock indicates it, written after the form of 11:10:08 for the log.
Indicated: 1:58:35
